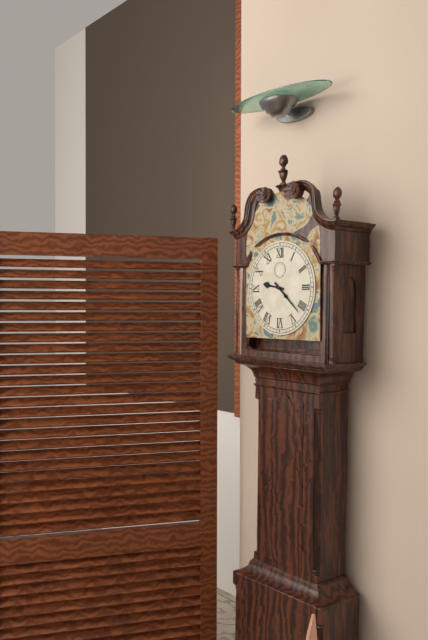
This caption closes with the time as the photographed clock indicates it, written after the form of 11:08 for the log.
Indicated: 9:22
